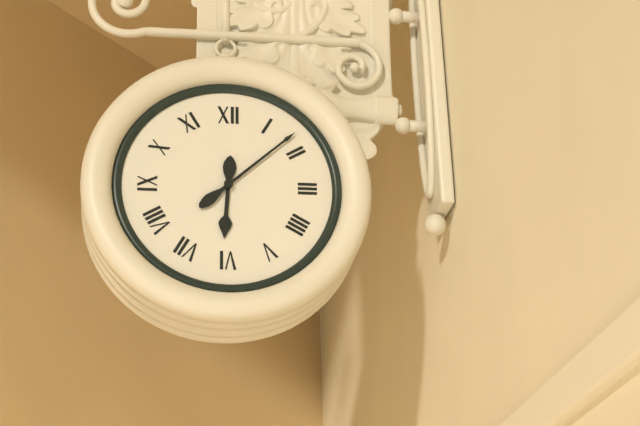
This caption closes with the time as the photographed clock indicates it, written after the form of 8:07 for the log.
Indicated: 6:08
